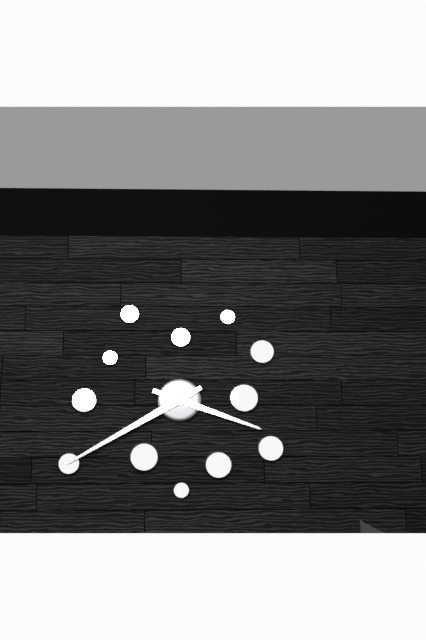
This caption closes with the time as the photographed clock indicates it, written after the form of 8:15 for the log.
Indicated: 3:40
